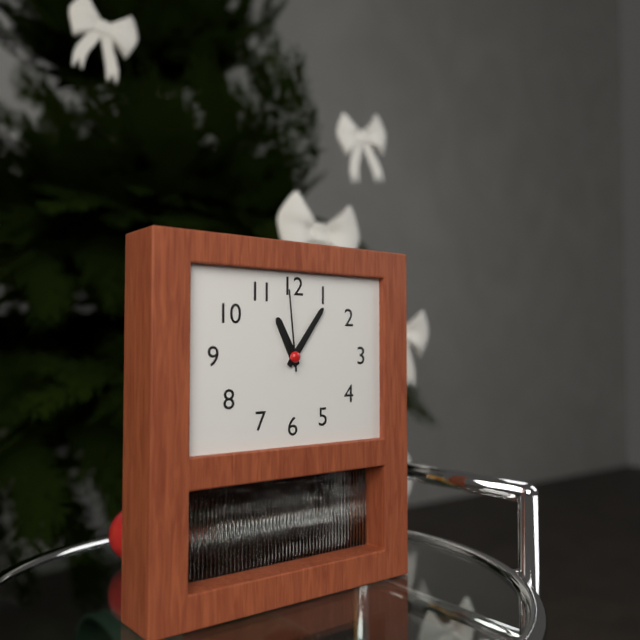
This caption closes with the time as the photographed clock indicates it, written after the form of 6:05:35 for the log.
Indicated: 11:06:59
